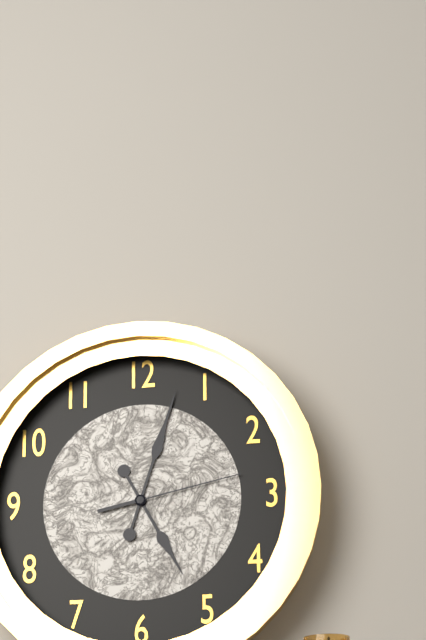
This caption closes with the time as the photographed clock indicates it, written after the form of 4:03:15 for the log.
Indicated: 5:03:13
